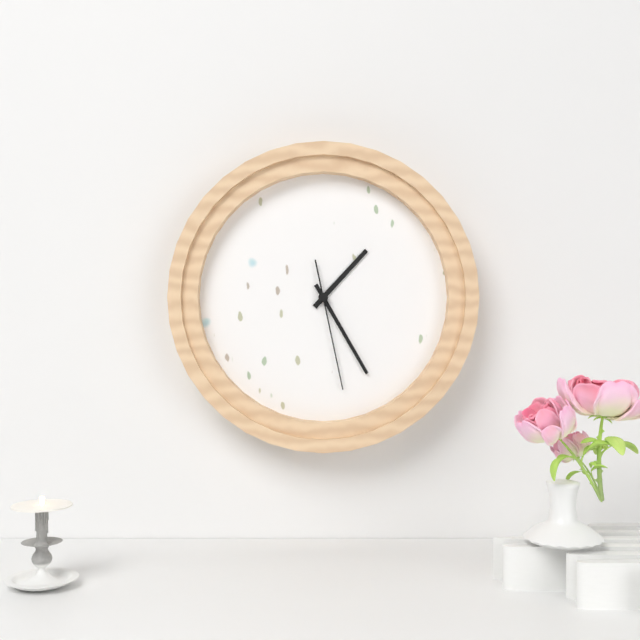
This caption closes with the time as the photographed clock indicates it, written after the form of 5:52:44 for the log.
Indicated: 1:25:28
